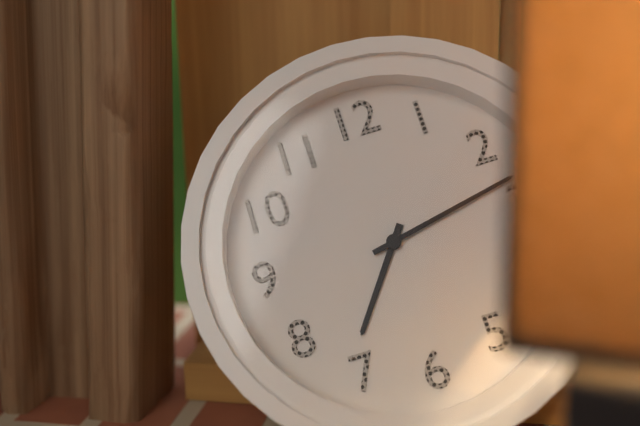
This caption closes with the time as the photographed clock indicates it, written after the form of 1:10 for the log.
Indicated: 7:13
